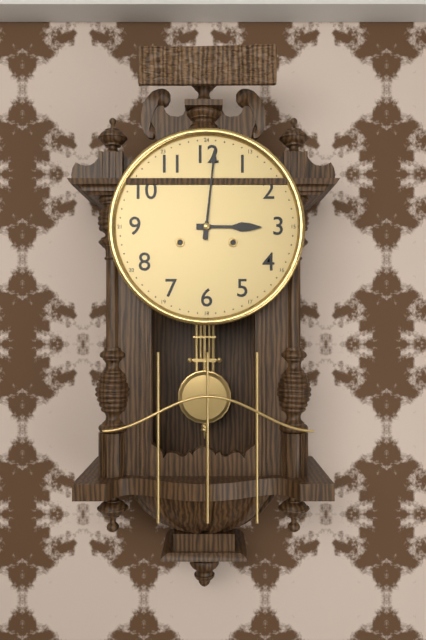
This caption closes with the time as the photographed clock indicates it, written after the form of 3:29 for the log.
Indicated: 3:01
